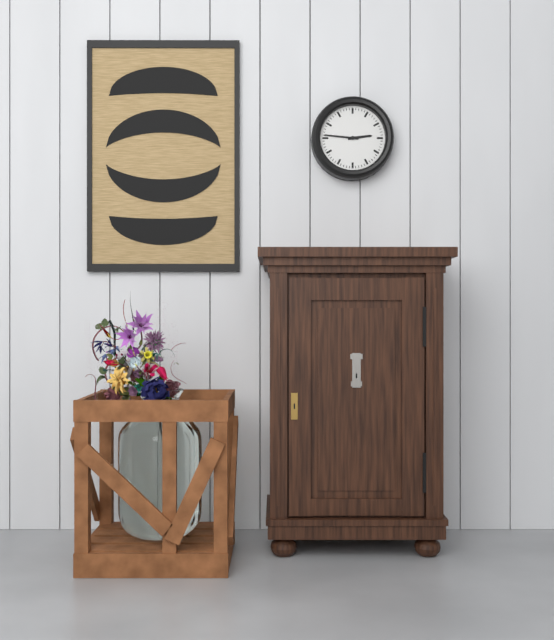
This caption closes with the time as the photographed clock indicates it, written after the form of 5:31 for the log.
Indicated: 2:46
